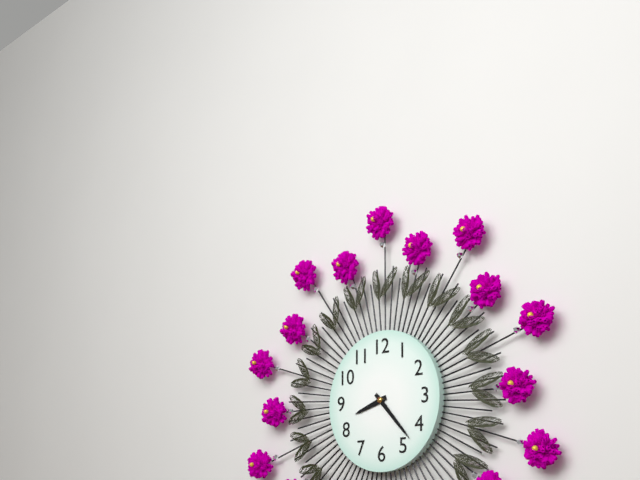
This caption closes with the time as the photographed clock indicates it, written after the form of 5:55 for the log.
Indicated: 8:23
